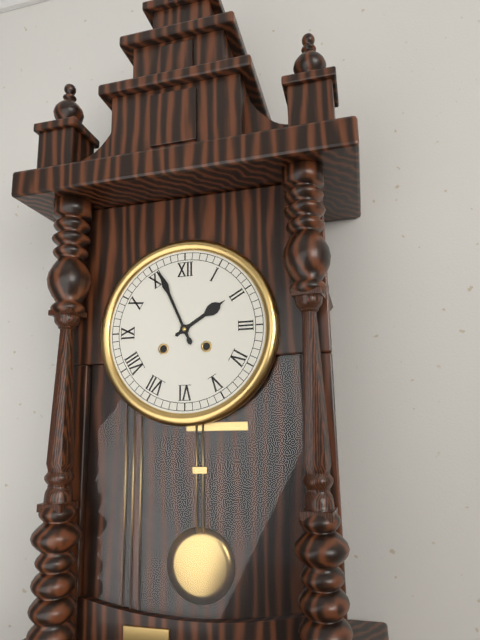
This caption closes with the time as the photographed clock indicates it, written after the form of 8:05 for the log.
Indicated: 1:56
